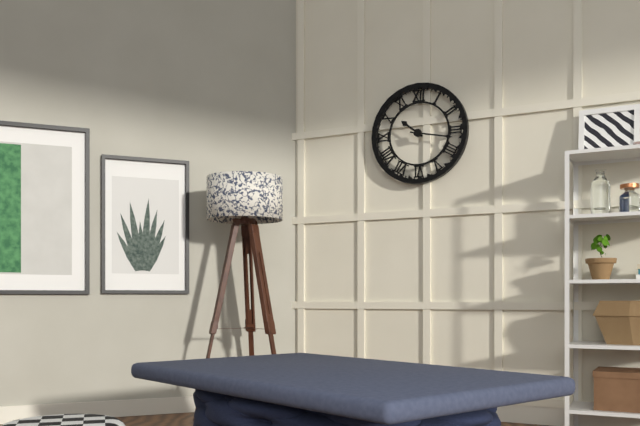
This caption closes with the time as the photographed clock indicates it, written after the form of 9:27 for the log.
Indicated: 10:17
